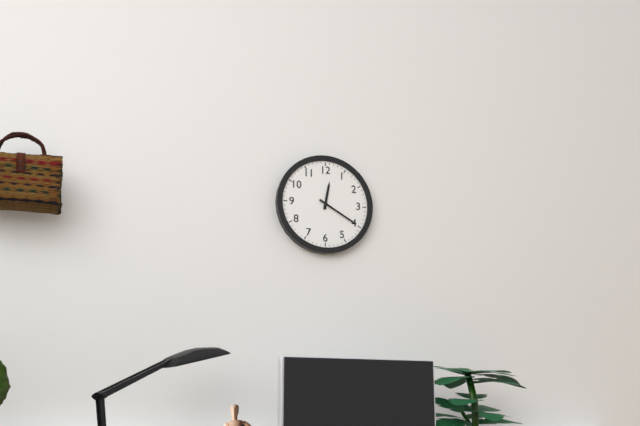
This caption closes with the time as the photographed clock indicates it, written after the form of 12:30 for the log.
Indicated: 12:20
